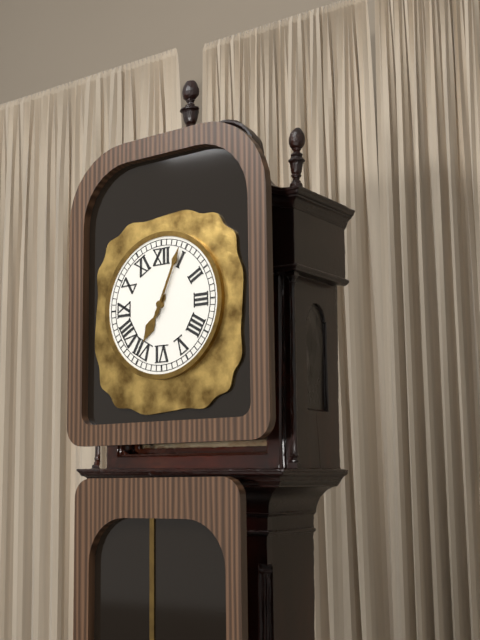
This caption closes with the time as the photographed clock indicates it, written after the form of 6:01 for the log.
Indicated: 7:04
